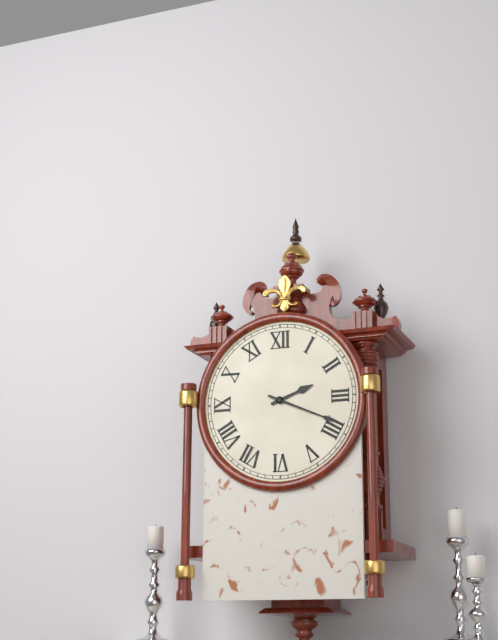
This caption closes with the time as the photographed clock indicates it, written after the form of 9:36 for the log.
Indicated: 2:19
